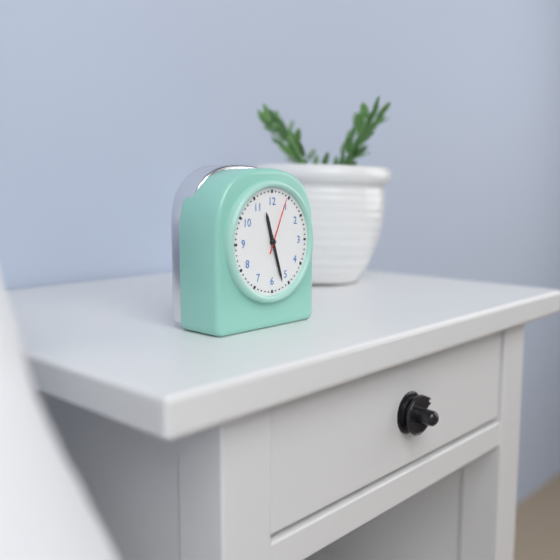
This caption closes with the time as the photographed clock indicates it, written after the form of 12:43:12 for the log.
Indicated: 11:27:04
